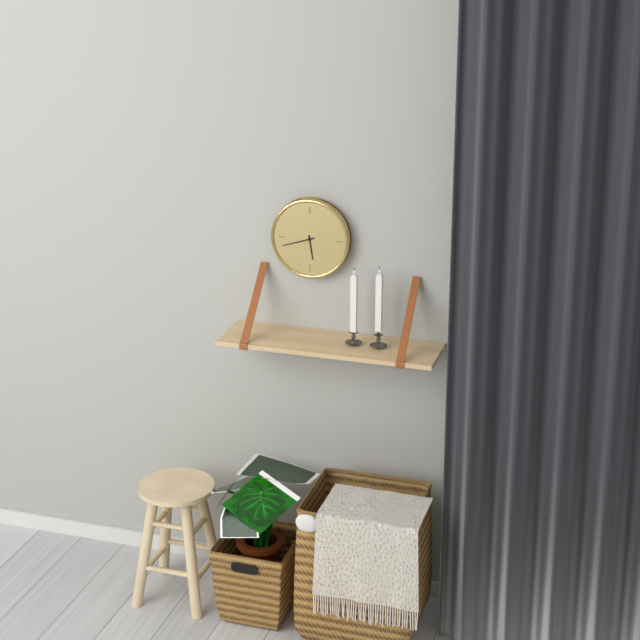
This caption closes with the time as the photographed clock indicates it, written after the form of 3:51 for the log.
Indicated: 5:42
